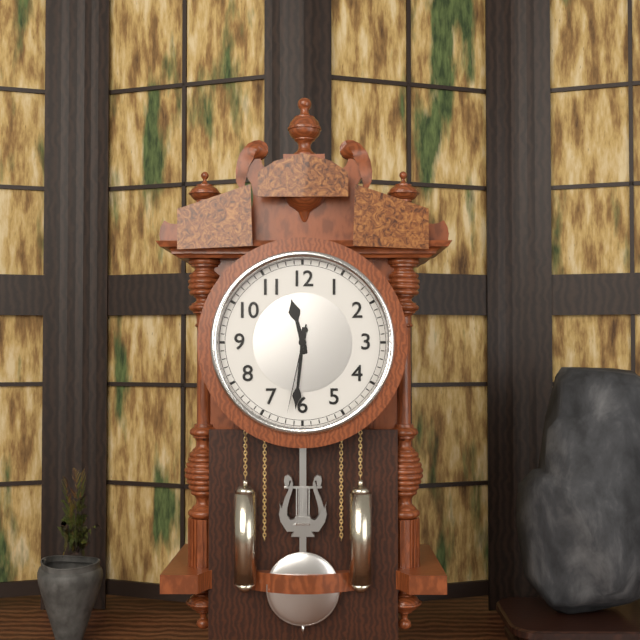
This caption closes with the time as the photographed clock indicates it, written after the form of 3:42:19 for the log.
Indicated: 11:31:32
